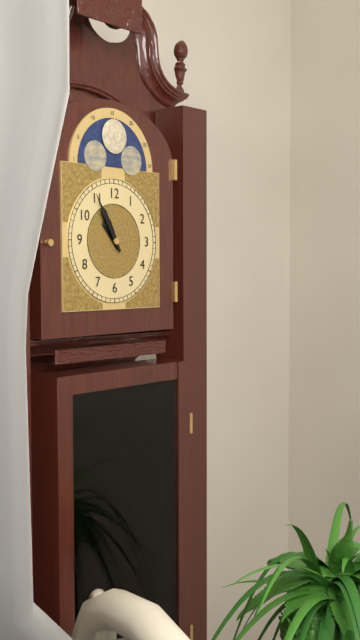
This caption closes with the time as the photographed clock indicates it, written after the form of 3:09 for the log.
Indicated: 10:55
